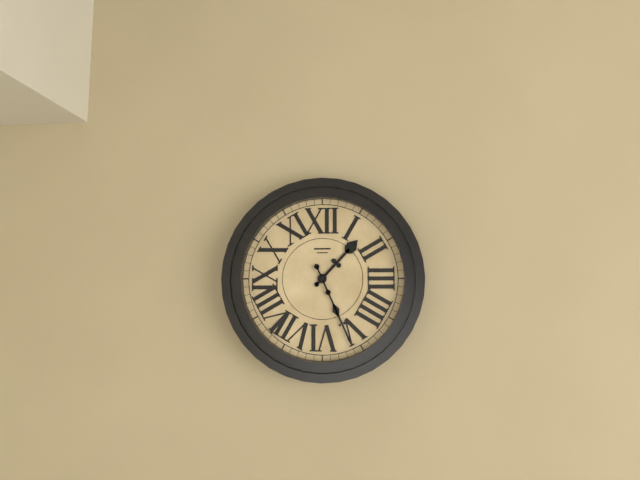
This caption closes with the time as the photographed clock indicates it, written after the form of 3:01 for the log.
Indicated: 1:26
